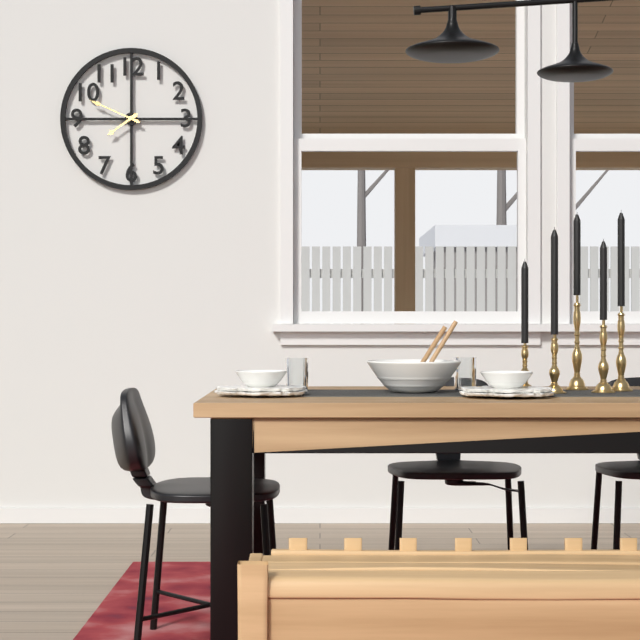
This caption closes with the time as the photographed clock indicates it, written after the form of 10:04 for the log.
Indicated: 7:49
